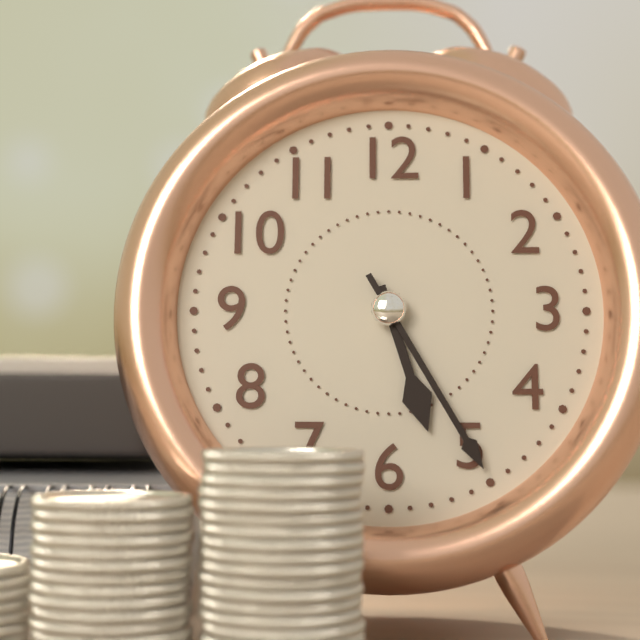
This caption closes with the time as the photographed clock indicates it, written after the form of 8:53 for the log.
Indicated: 5:25
